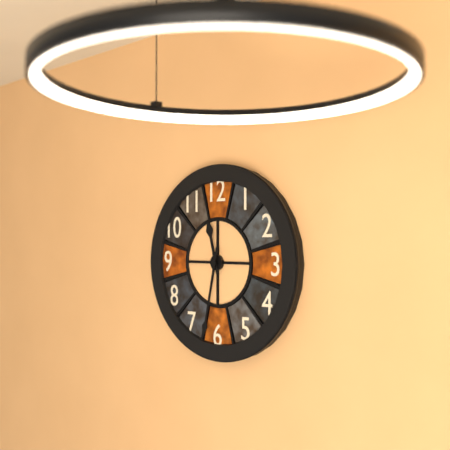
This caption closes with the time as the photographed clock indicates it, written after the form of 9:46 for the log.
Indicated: 11:32
